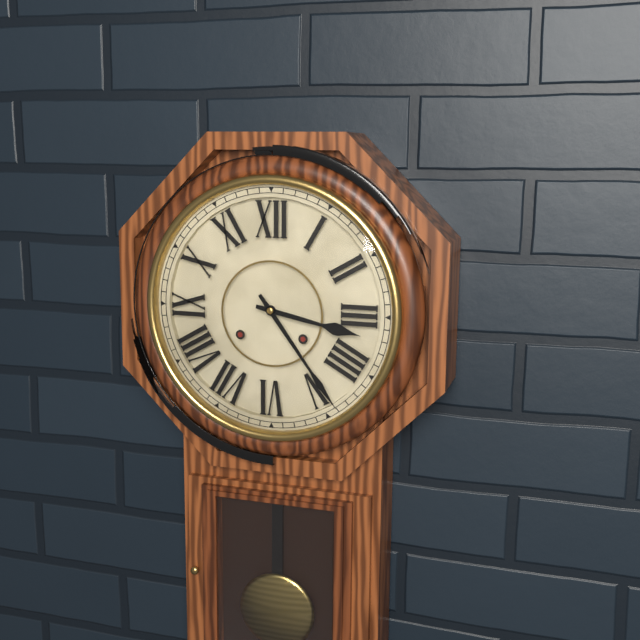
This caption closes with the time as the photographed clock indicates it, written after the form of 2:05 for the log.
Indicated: 3:24
